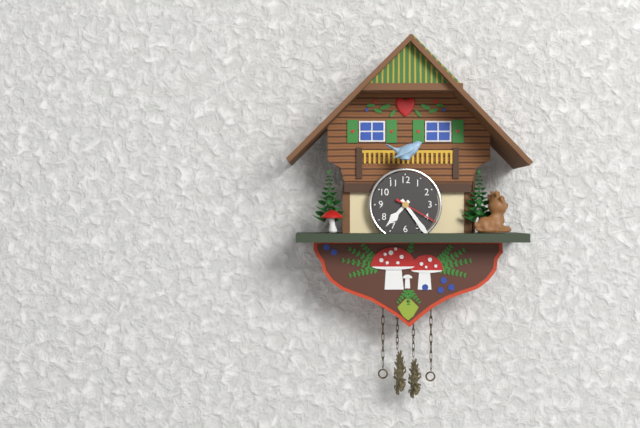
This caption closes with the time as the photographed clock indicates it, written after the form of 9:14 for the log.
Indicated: 7:24
